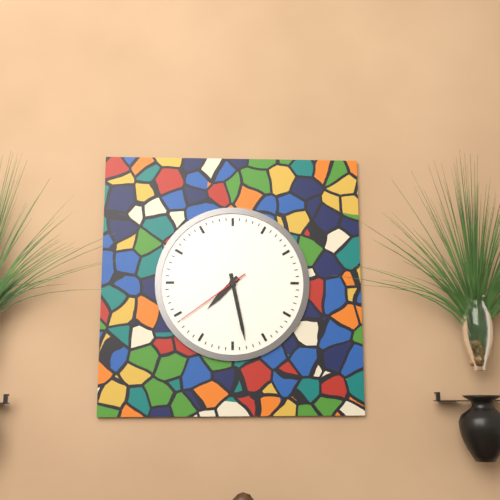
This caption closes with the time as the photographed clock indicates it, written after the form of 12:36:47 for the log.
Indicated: 7:28:39
